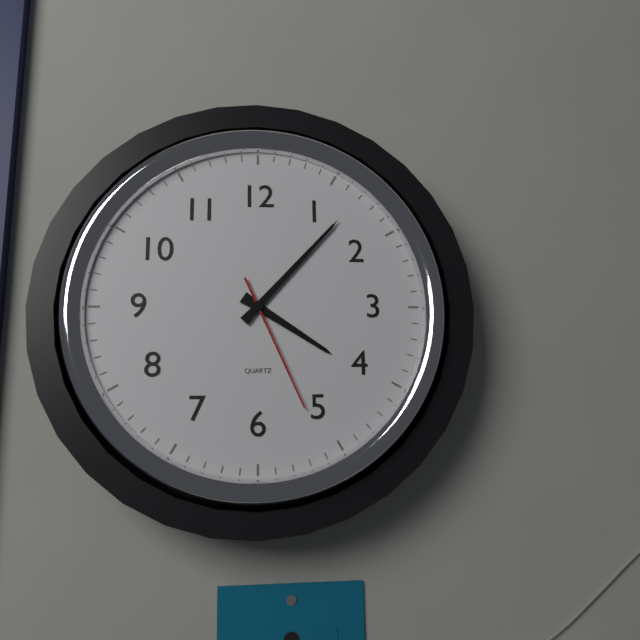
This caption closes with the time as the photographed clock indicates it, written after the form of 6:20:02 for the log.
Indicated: 4:07:26
